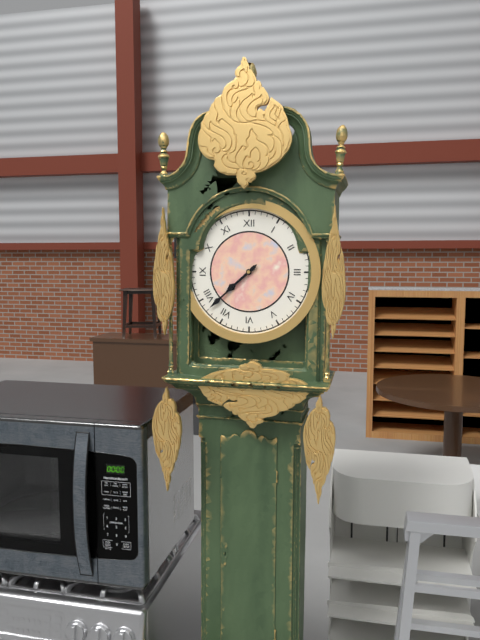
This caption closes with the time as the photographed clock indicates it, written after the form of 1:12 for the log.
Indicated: 7:38
